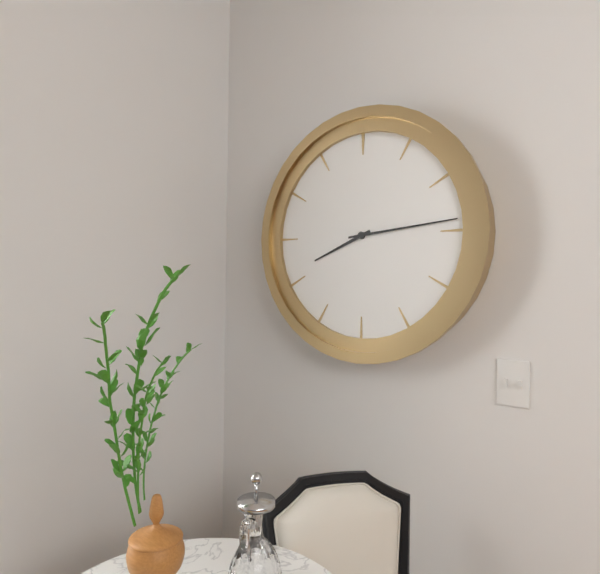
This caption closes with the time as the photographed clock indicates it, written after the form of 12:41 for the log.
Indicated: 8:14
